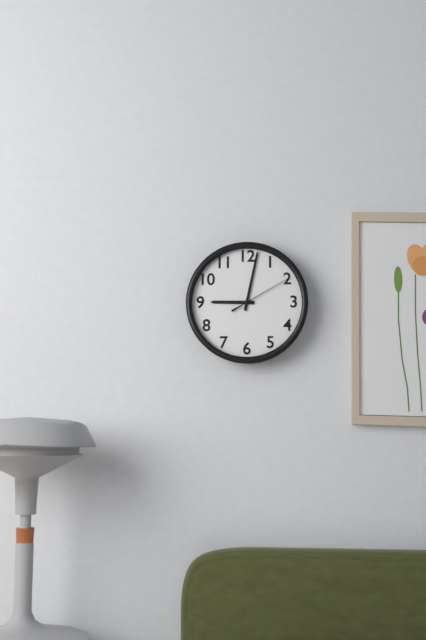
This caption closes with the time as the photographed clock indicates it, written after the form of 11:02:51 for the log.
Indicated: 9:02:10
